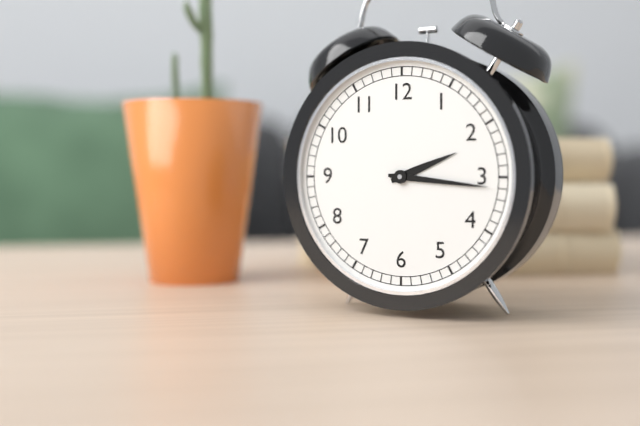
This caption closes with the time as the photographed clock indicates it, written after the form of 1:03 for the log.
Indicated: 2:16
